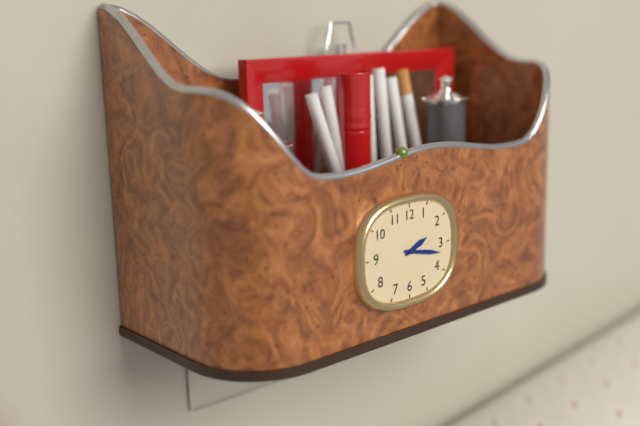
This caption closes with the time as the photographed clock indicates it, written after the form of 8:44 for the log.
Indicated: 2:17
